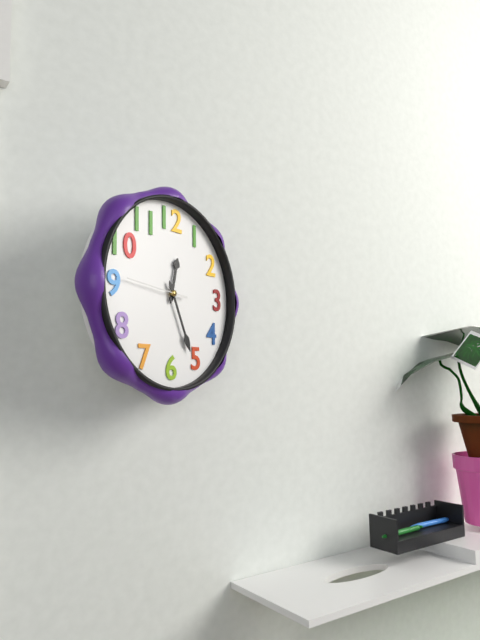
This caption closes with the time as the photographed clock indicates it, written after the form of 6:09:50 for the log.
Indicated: 12:26:46
